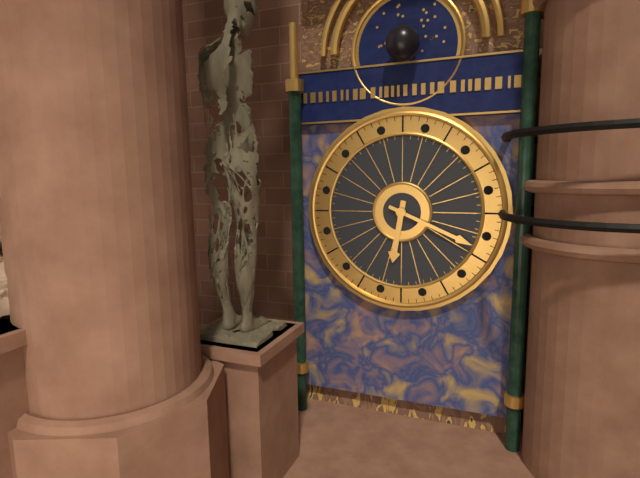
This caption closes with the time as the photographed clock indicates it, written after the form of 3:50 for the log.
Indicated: 6:19
